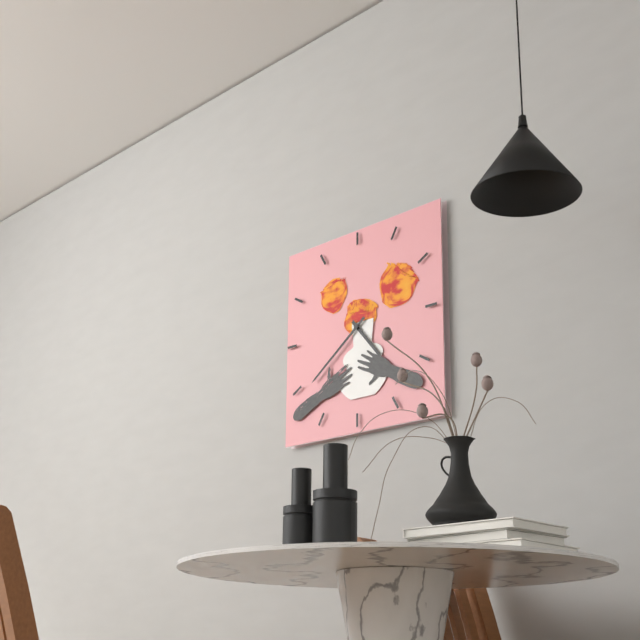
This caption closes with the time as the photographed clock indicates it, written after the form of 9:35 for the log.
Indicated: 4:39
